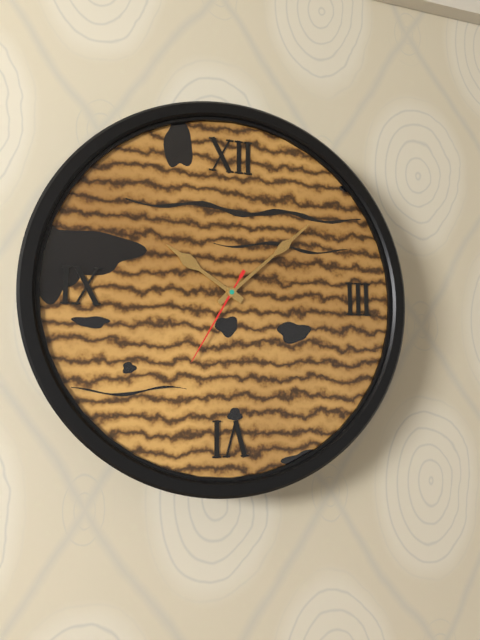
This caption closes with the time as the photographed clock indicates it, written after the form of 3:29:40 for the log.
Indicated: 10:08:35
